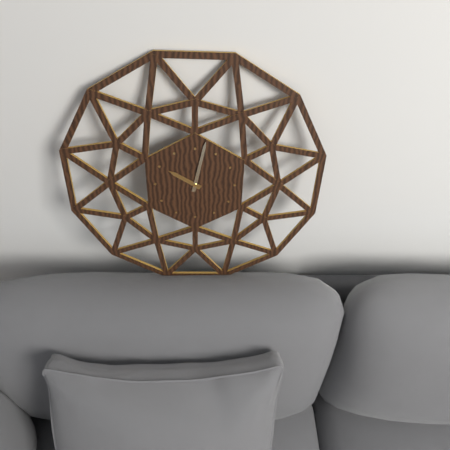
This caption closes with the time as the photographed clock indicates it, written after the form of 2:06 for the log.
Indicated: 10:02
